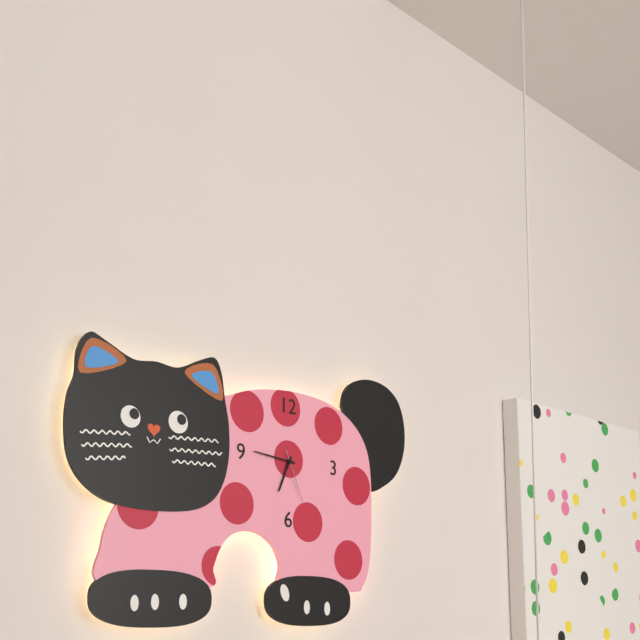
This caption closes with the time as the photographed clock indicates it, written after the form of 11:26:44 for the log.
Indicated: 6:46:26
